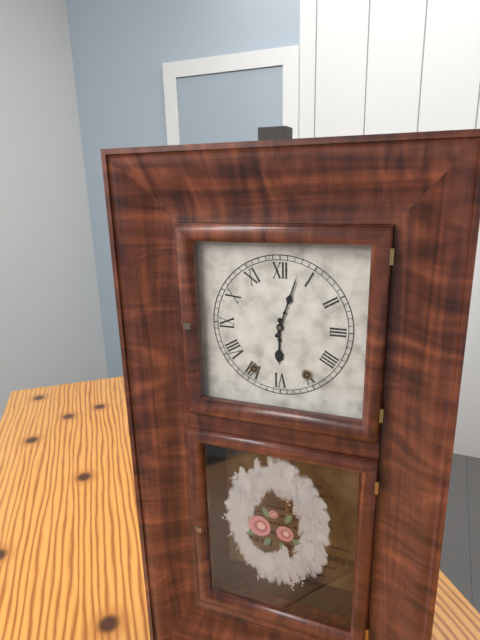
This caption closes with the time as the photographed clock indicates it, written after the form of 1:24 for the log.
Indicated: 6:03
